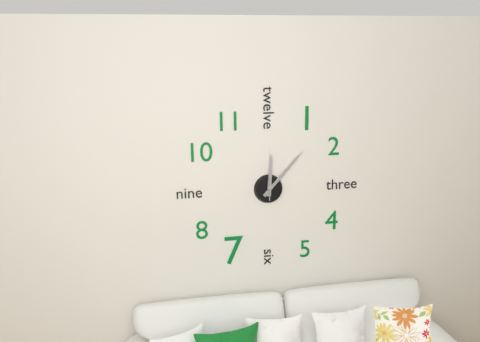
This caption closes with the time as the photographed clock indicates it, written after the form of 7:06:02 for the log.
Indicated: 12:07:00
